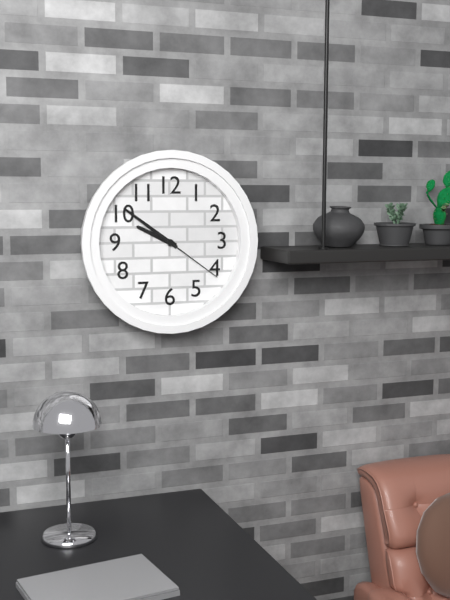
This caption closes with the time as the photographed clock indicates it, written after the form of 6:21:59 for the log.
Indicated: 9:51:21
